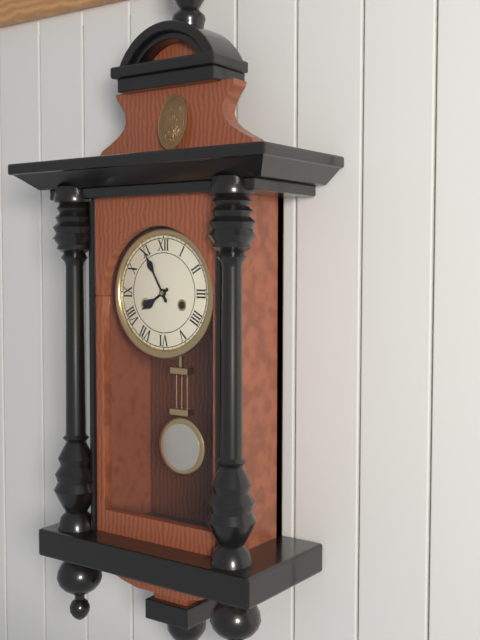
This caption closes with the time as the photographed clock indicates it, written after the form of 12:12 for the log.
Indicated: 7:55
